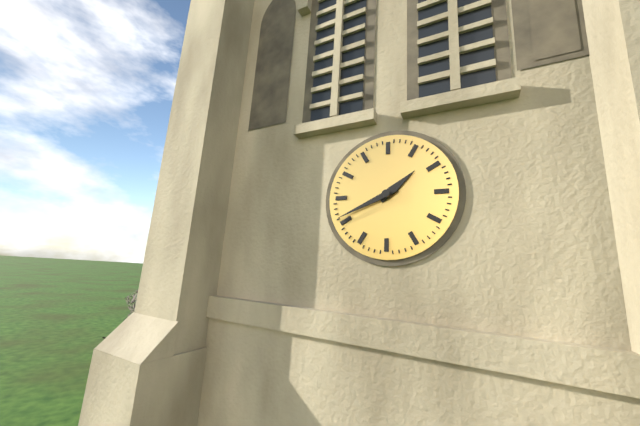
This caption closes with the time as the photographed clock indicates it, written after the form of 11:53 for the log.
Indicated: 1:41
